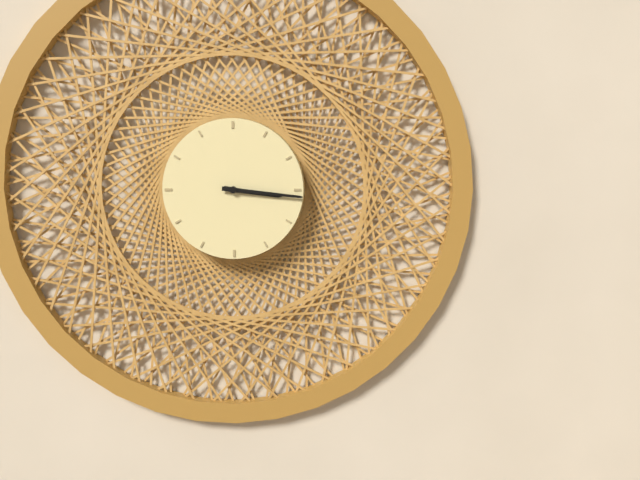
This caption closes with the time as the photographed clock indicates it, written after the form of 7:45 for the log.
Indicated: 3:16
